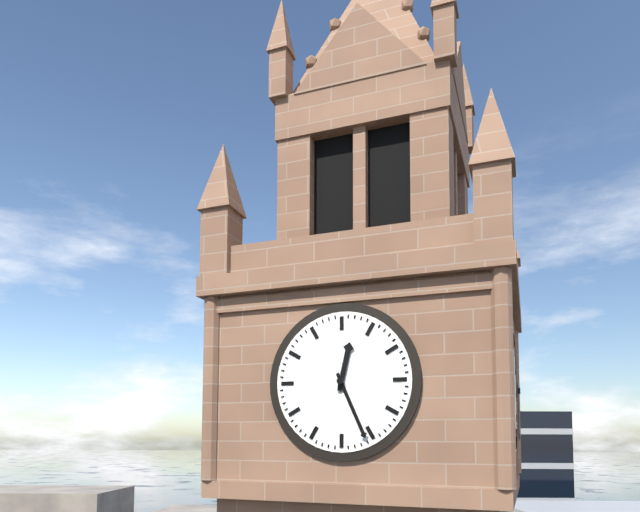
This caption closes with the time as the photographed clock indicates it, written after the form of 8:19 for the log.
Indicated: 12:26
